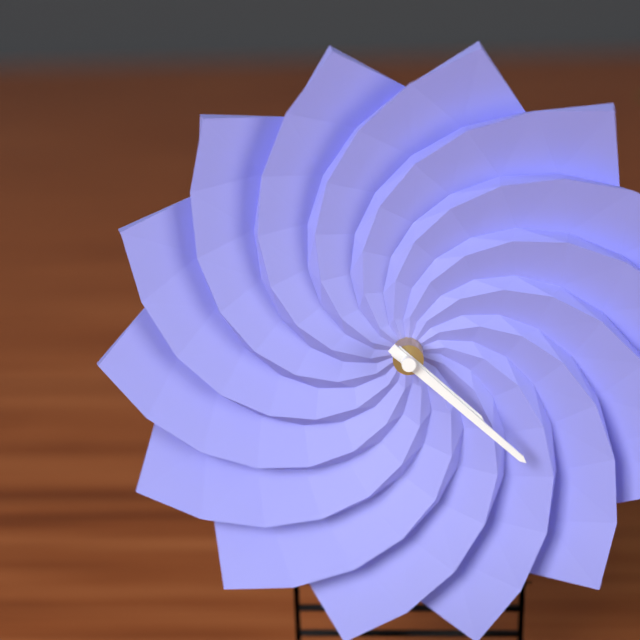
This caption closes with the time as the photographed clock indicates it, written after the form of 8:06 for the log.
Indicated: 4:22
